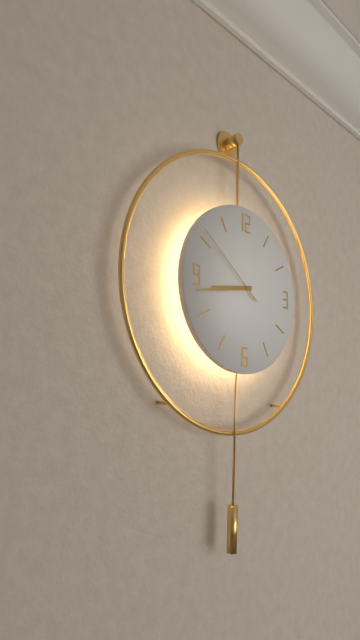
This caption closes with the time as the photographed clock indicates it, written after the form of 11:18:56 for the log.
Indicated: 8:43:51
